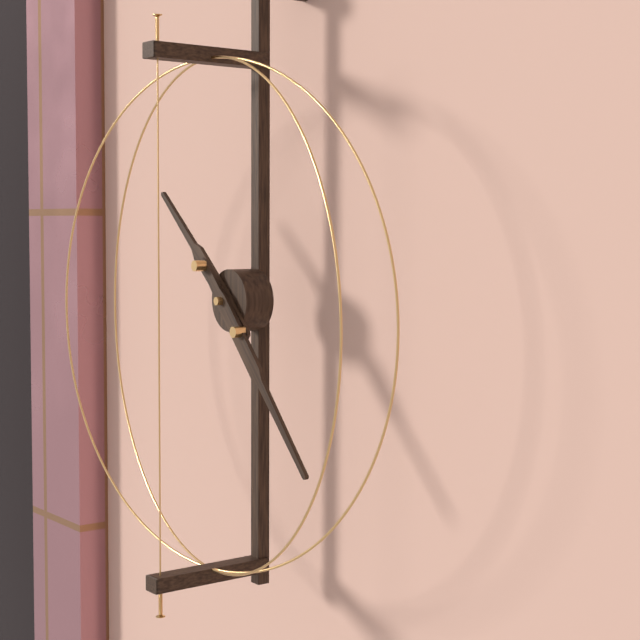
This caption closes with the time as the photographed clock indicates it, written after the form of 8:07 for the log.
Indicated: 10:23
